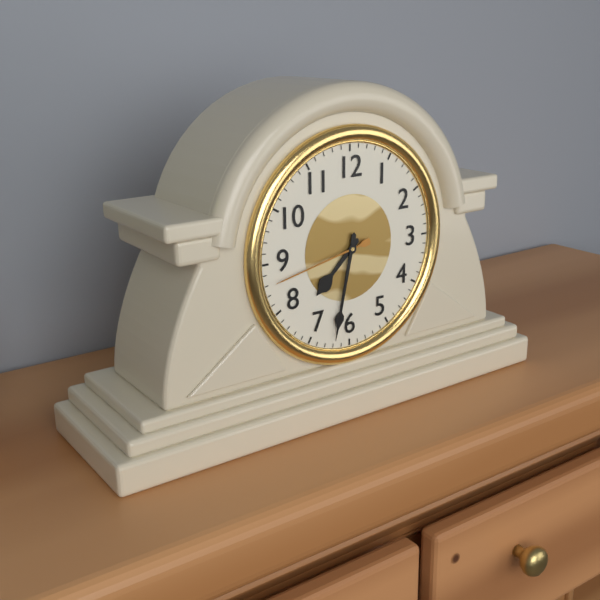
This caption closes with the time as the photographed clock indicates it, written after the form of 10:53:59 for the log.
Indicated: 7:32:43
